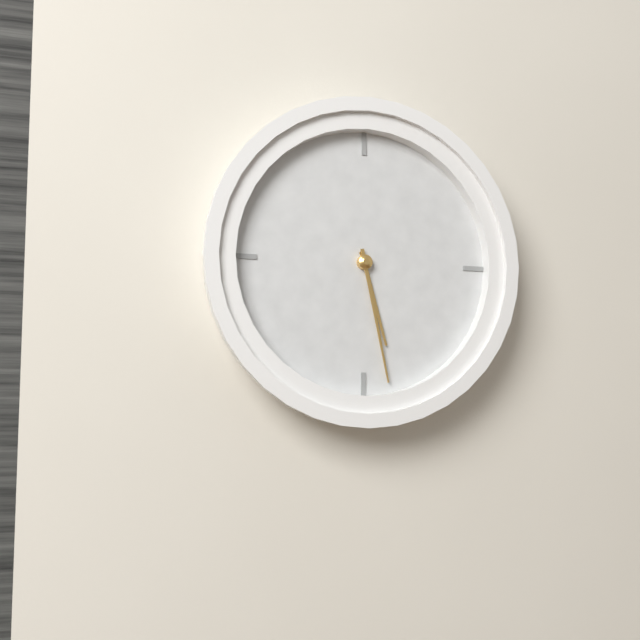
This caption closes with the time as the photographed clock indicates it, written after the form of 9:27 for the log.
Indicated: 5:28
